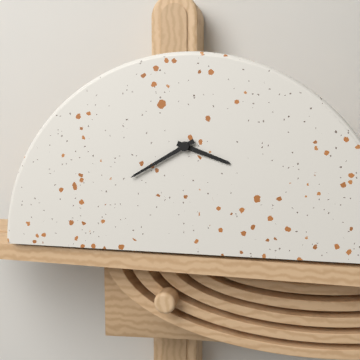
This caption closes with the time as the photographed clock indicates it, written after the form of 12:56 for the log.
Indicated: 3:40
